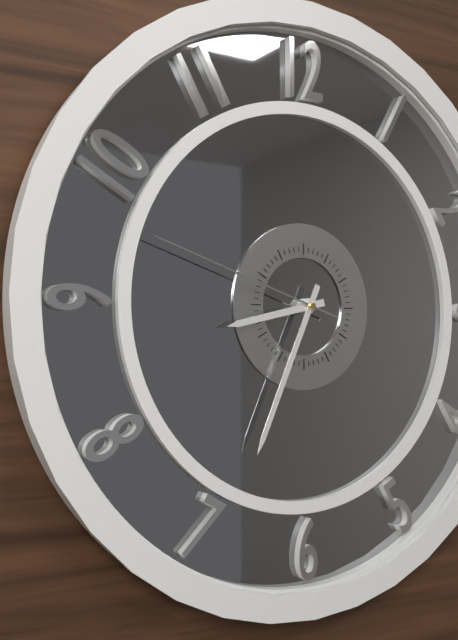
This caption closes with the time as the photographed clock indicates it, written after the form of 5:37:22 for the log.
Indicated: 8:34:48
